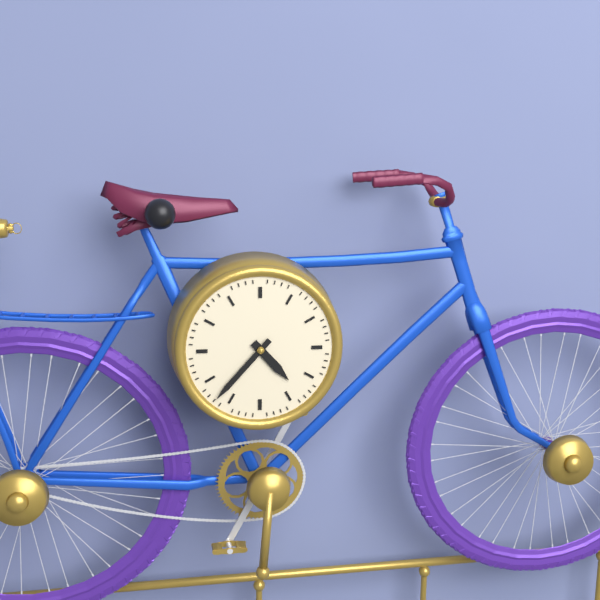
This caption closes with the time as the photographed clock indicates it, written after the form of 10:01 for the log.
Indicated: 4:37
